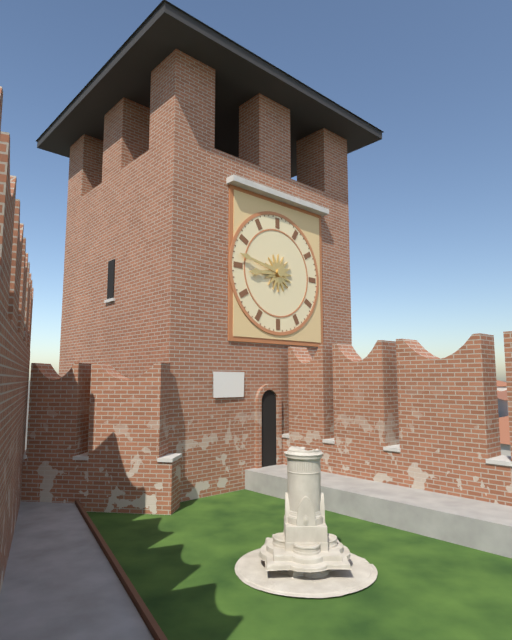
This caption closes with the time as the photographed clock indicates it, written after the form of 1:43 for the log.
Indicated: 8:47
